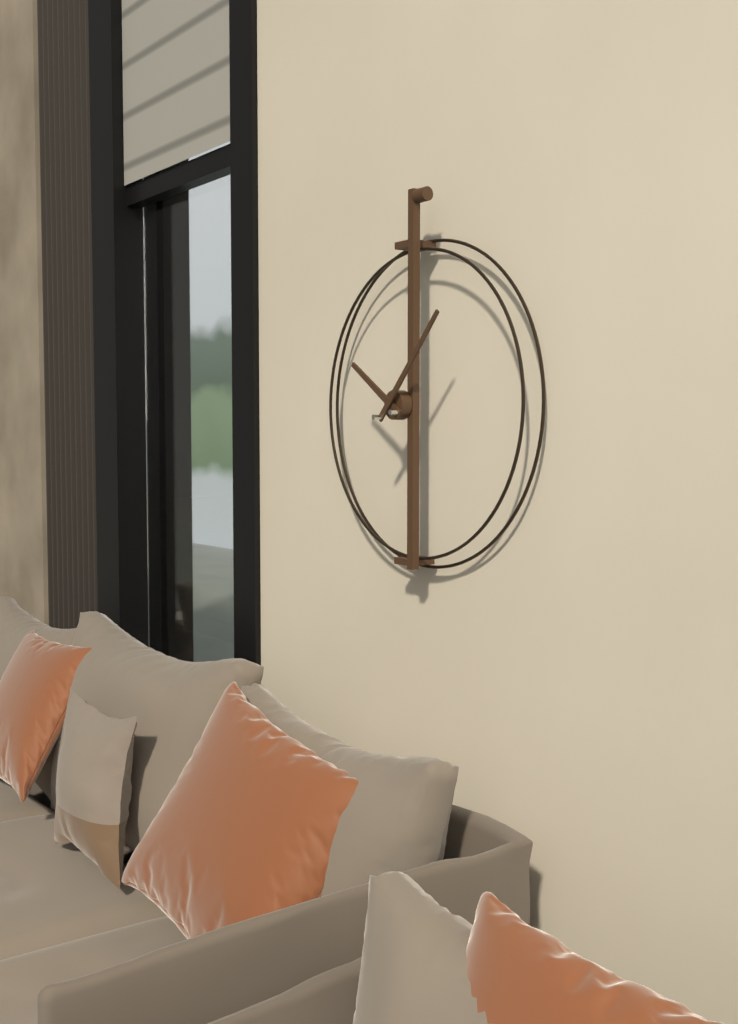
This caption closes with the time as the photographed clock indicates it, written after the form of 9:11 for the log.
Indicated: 10:07
